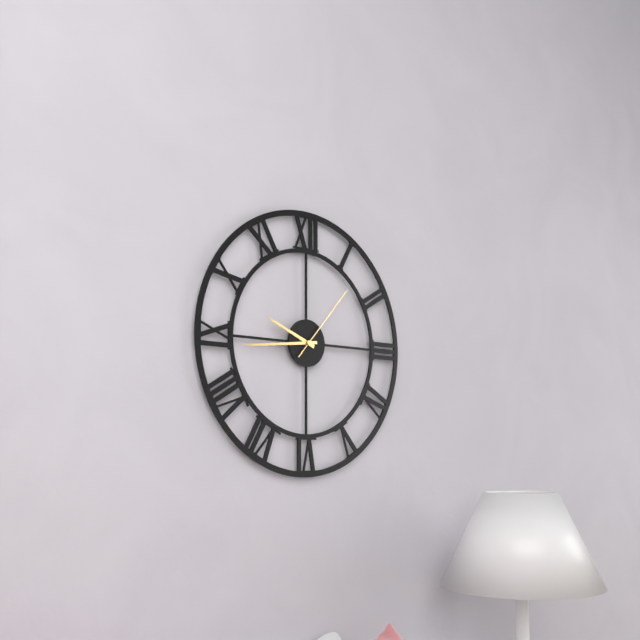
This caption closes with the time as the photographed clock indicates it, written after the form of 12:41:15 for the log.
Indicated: 9:44:07
